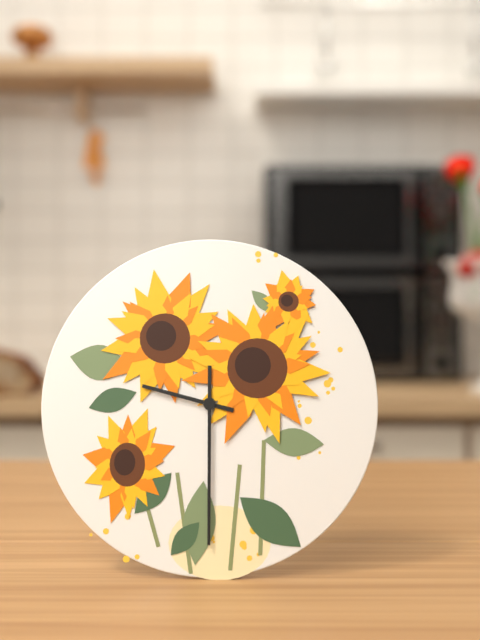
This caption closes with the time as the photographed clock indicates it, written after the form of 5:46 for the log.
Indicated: 9:30
